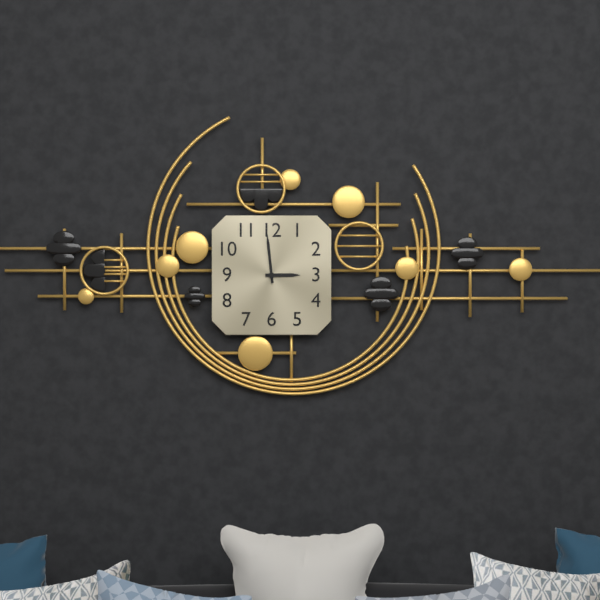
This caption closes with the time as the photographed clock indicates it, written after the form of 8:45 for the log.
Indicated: 2:59
